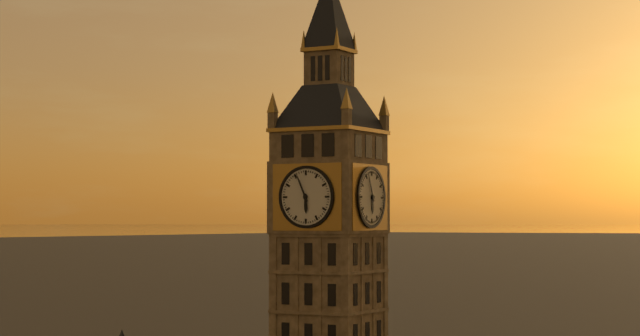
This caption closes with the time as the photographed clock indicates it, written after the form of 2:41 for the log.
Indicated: 5:56
